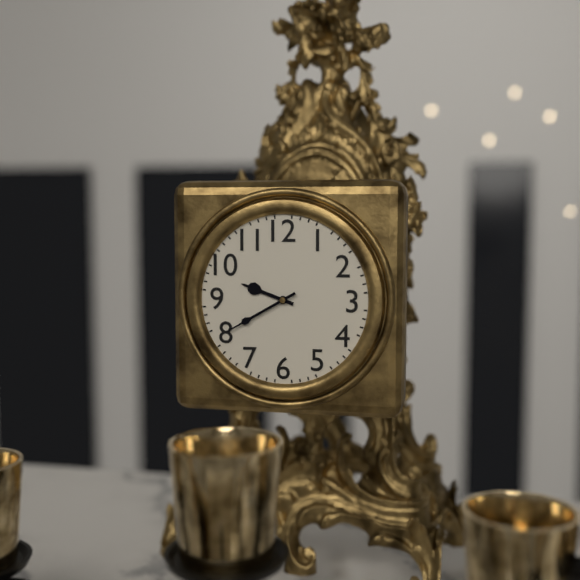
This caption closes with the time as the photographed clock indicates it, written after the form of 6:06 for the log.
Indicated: 9:40
